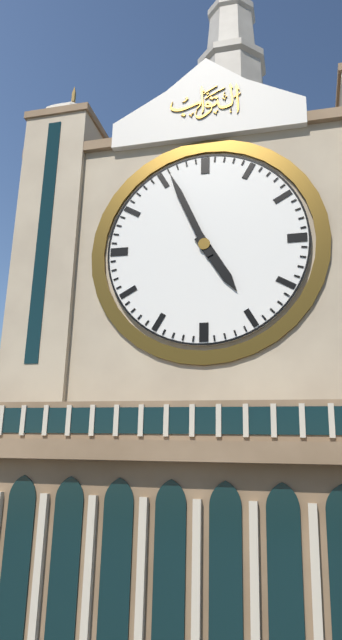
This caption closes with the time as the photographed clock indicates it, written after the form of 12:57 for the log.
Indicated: 4:56
